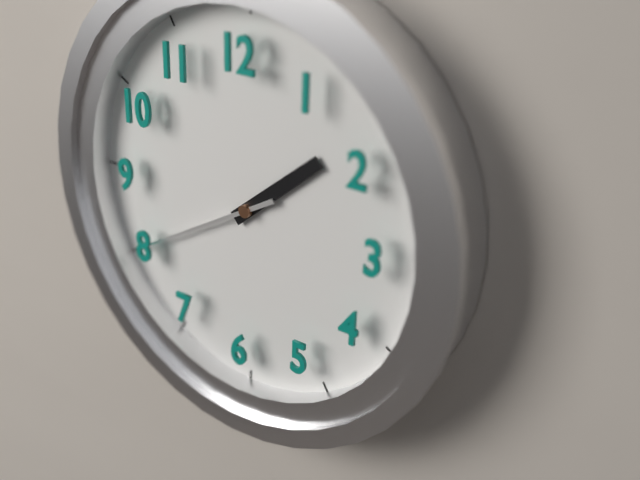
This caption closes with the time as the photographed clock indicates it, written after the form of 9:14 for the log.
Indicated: 1:40
